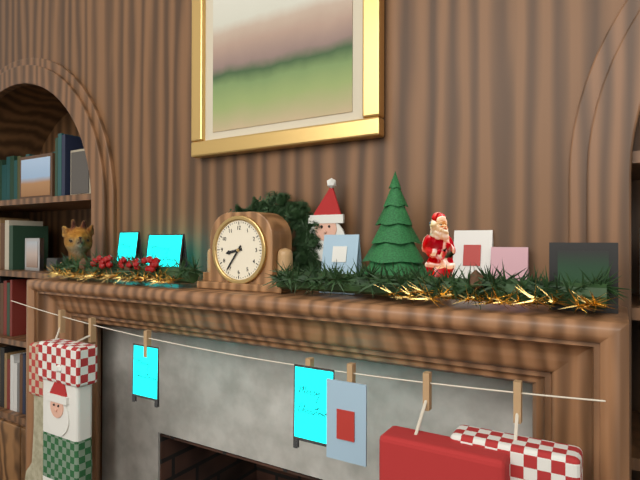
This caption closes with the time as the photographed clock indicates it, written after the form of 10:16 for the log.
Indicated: 8:36
